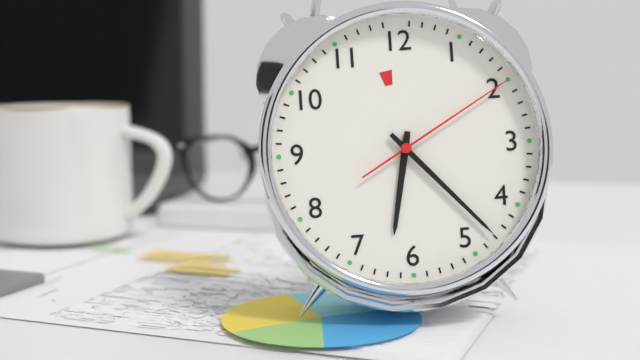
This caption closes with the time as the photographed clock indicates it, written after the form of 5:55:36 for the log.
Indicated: 6:23:10
